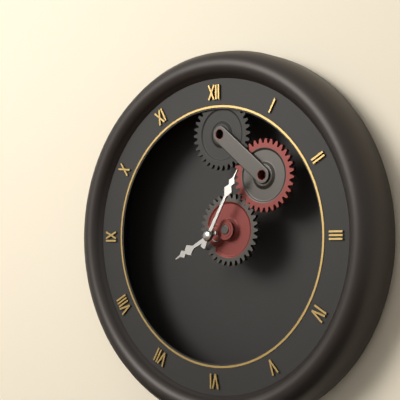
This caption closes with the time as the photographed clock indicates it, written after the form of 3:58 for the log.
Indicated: 8:05
